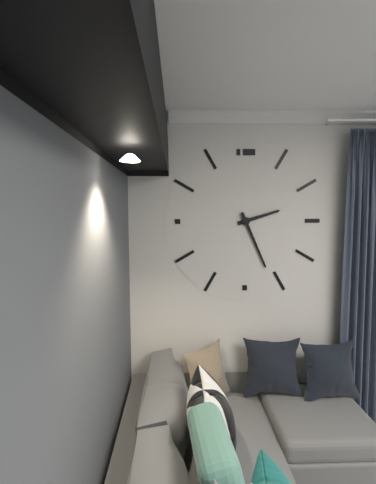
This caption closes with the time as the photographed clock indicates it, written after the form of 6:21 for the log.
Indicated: 2:26
